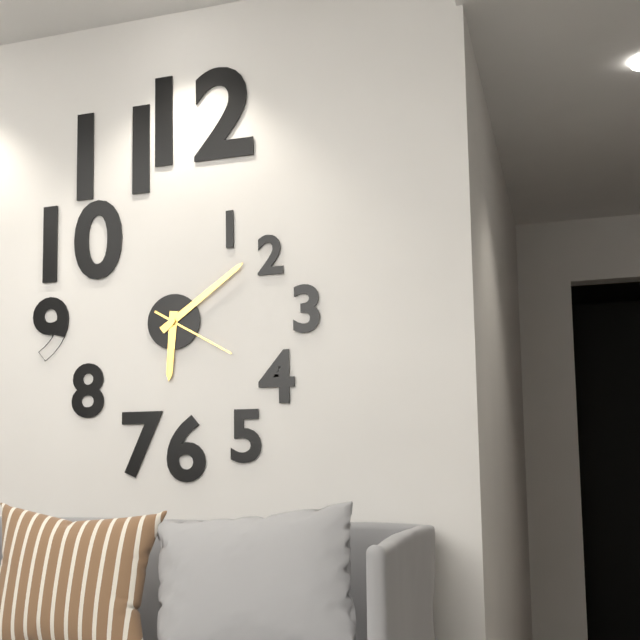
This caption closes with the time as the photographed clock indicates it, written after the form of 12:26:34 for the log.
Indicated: 6:09:20
